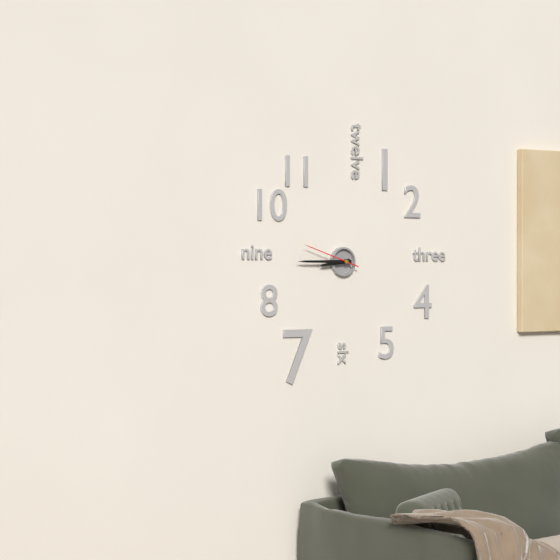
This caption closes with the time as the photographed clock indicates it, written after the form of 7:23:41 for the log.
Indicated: 8:45:48
